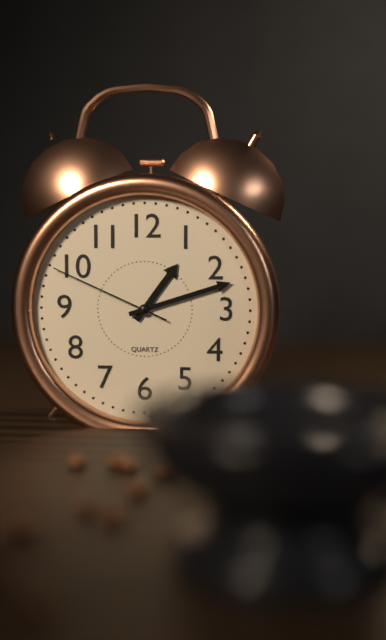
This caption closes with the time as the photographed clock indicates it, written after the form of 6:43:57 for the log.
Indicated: 1:12:49
